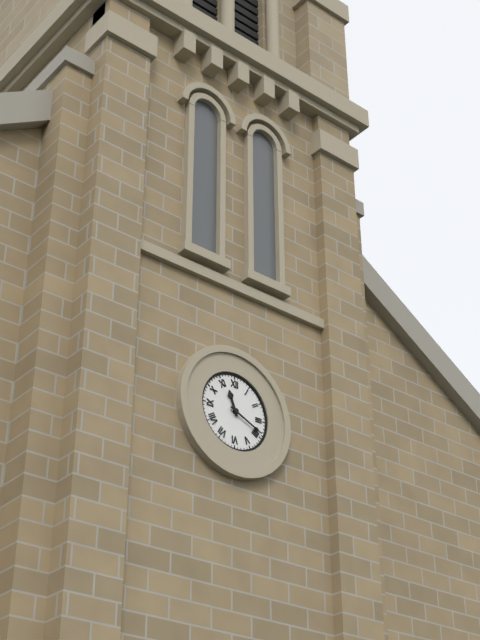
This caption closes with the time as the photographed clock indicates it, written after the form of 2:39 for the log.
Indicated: 11:19
